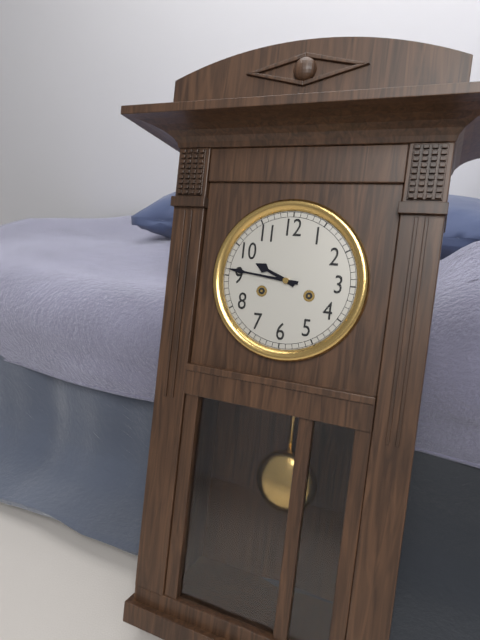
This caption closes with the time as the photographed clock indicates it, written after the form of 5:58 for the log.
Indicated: 9:46
